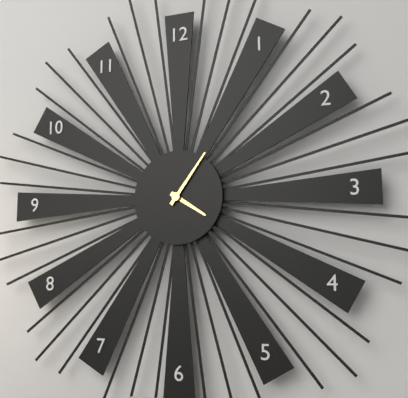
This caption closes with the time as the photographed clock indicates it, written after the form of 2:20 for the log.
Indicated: 4:06
